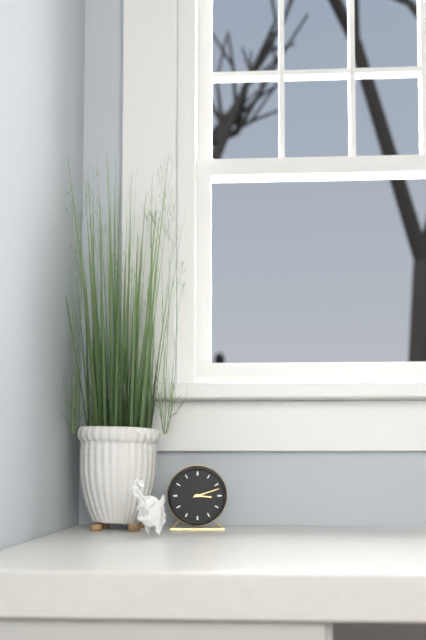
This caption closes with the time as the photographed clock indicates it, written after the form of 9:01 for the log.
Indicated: 3:12
